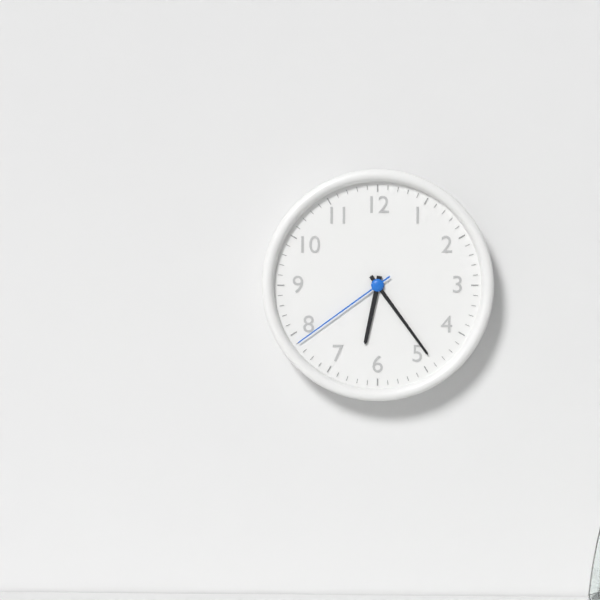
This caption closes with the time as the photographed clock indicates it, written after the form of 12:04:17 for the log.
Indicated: 6:24:39
